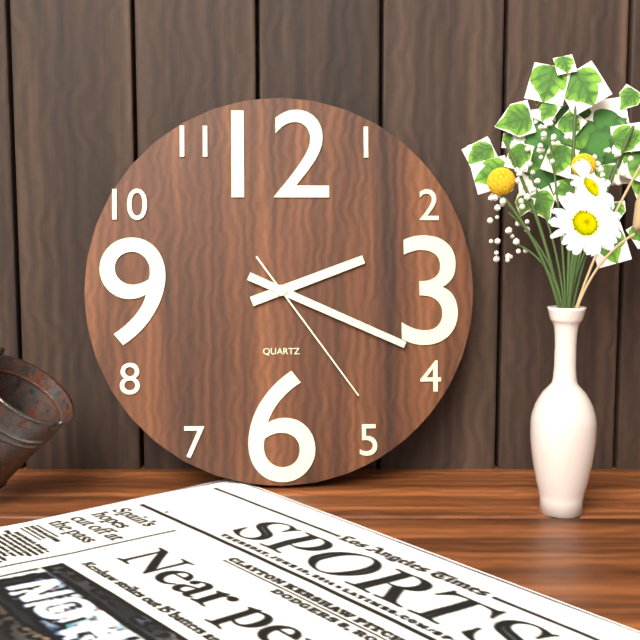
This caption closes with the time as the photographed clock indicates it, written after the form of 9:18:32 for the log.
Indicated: 2:19:24
